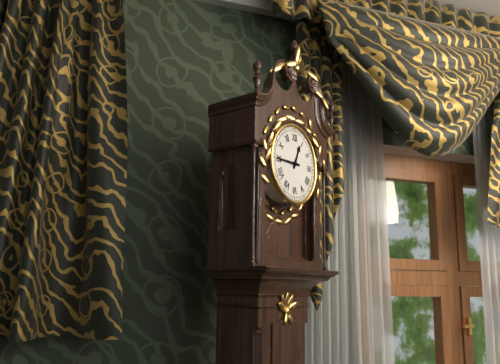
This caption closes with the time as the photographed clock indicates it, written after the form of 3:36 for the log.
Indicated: 12:45
